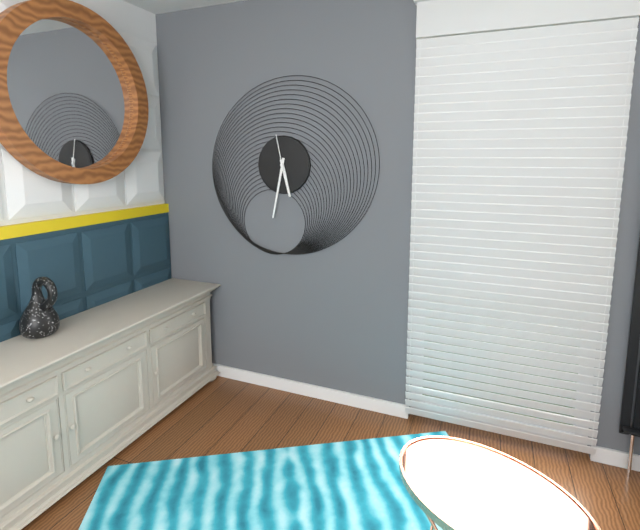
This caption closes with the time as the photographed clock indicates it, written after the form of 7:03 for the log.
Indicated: 5:32
